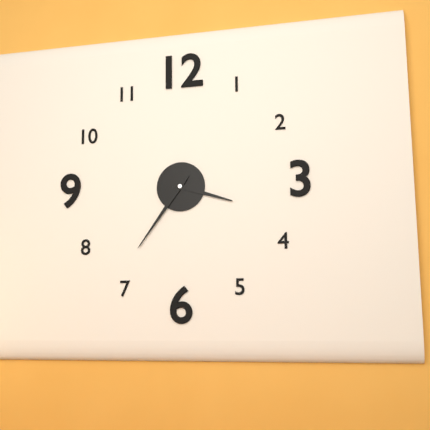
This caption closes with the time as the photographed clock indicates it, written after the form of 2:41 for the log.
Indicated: 3:36
